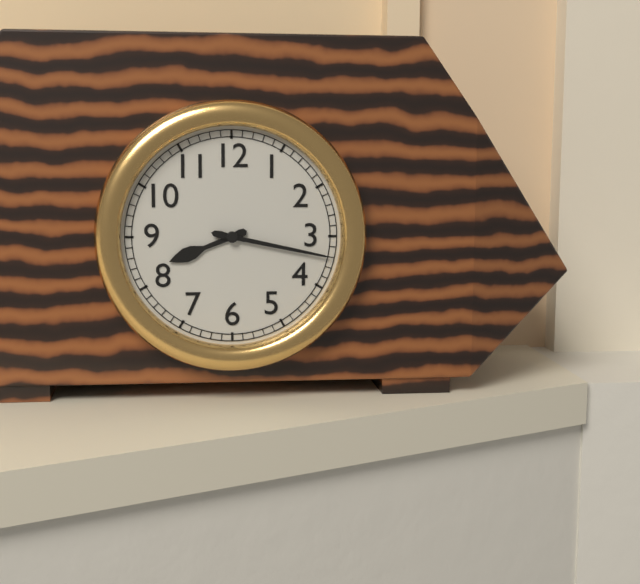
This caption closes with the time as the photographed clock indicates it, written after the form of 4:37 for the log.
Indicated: 8:17
